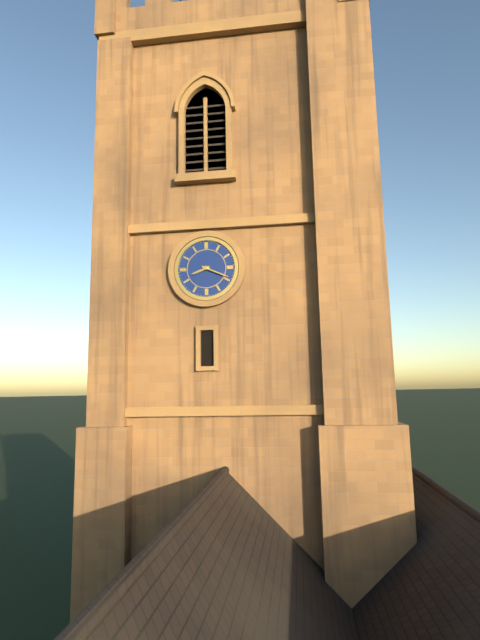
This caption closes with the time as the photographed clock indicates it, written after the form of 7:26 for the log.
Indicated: 8:19
